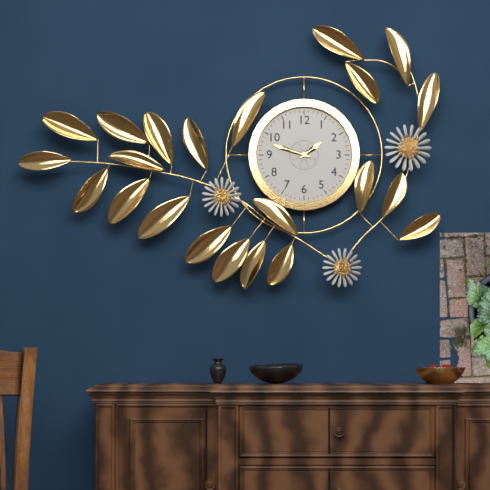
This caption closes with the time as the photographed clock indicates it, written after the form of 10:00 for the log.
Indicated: 1:48
